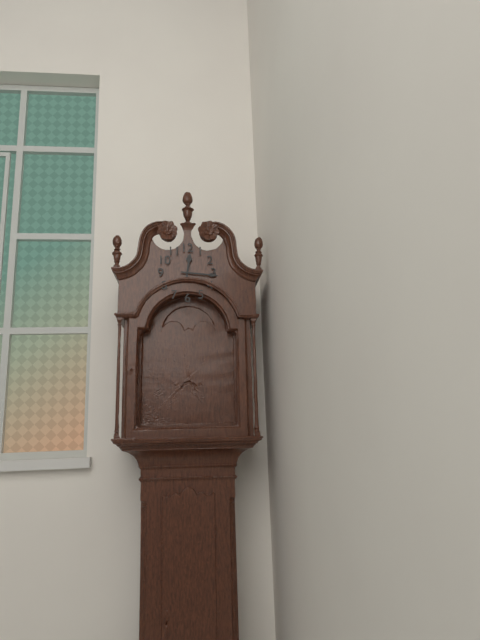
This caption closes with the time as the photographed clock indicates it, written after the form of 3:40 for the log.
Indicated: 12:16
